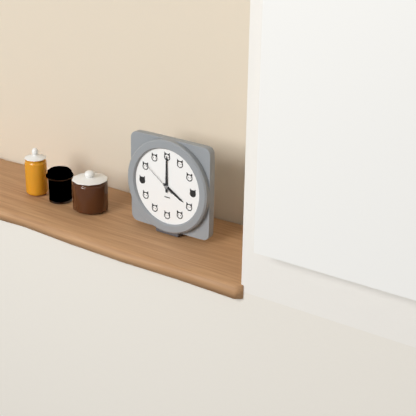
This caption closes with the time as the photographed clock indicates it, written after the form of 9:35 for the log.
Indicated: 4:00
